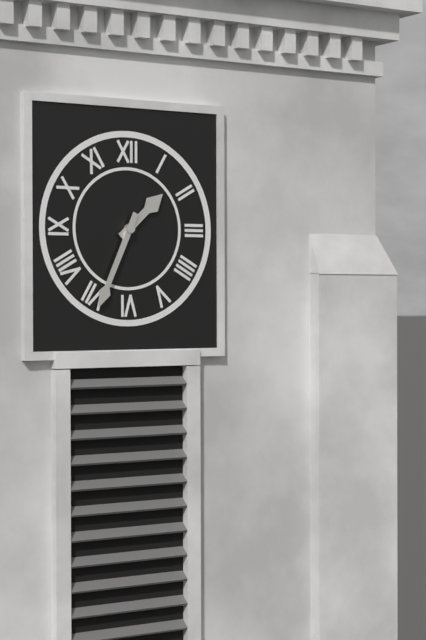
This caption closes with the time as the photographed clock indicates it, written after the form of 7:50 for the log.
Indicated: 1:34
